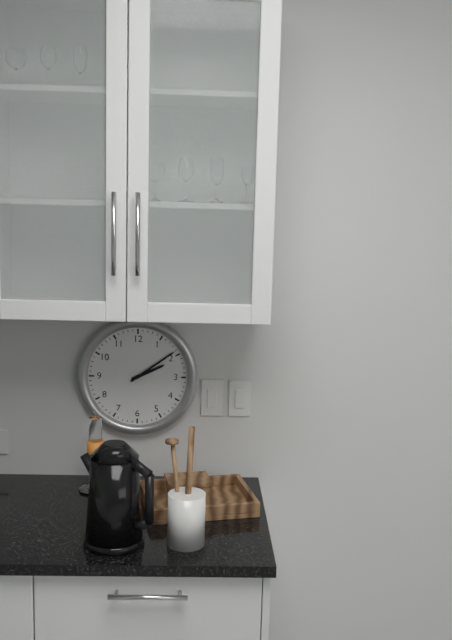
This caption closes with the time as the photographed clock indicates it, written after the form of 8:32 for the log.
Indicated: 2:09
